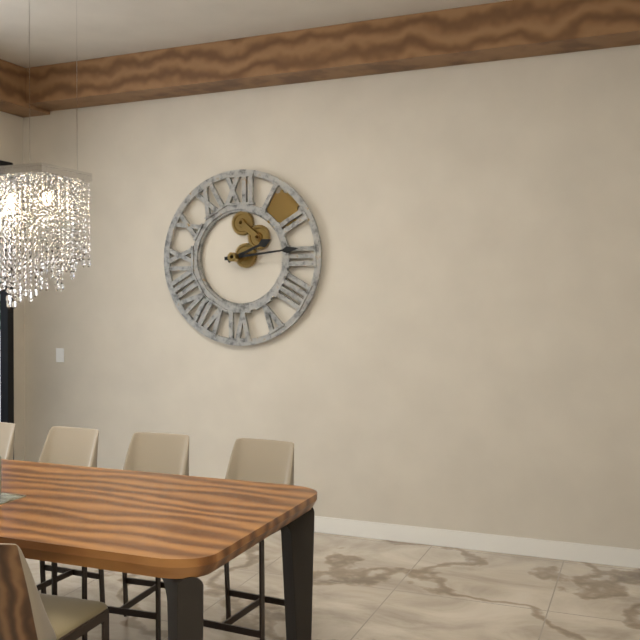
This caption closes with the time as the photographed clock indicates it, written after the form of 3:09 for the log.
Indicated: 2:14
